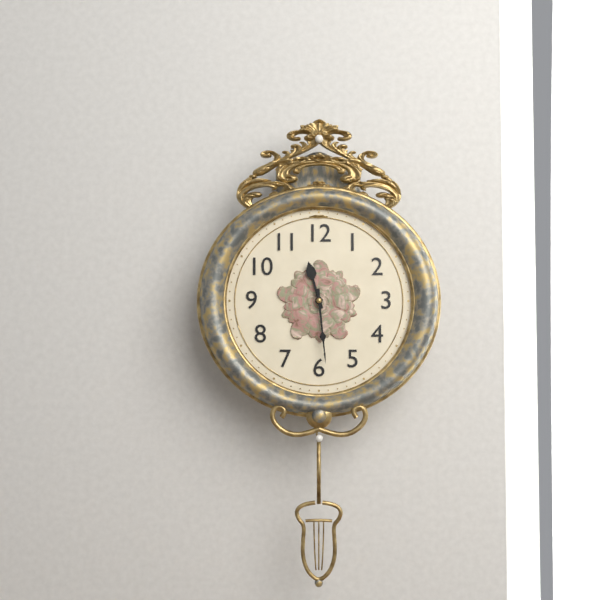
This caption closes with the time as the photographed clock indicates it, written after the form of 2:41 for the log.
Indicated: 11:29
